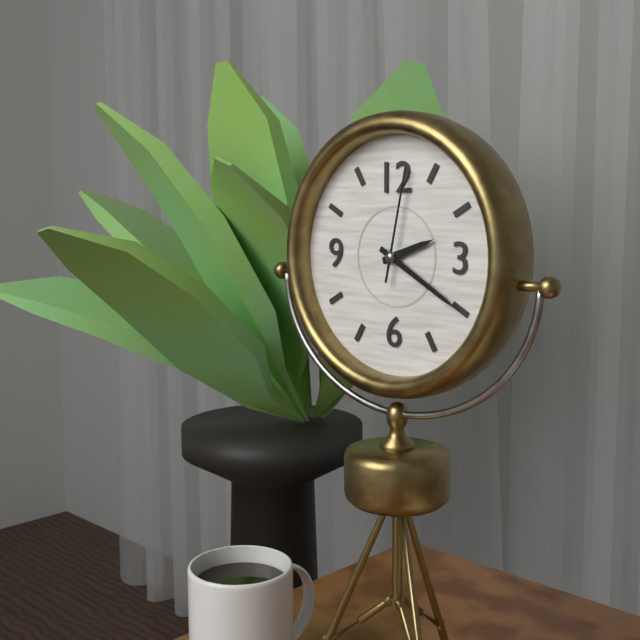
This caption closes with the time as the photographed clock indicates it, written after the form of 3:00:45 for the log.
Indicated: 2:20:02
